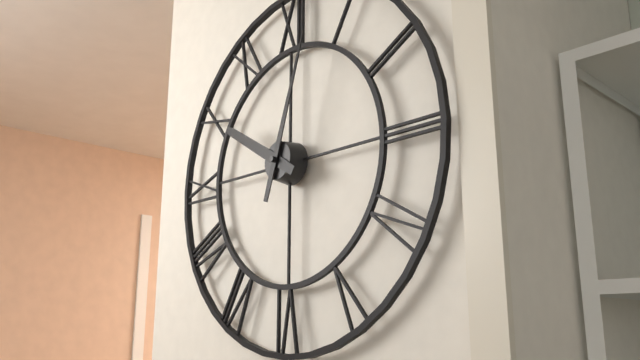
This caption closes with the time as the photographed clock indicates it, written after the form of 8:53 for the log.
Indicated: 10:03
